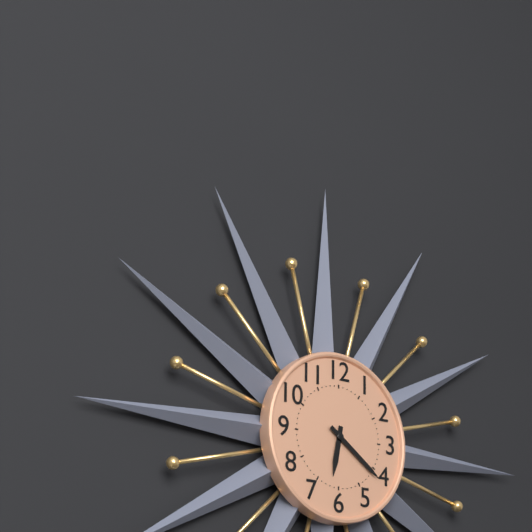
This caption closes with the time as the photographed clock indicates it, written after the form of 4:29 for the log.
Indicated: 6:21
